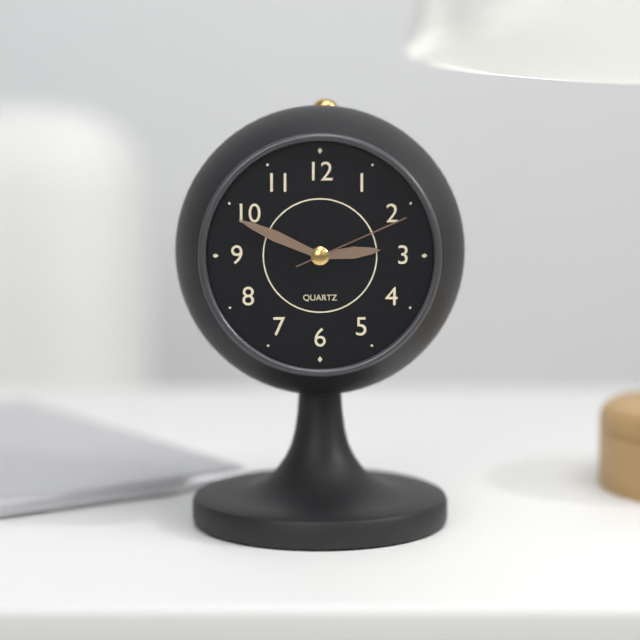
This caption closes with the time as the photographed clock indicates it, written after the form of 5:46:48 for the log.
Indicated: 2:49:11
